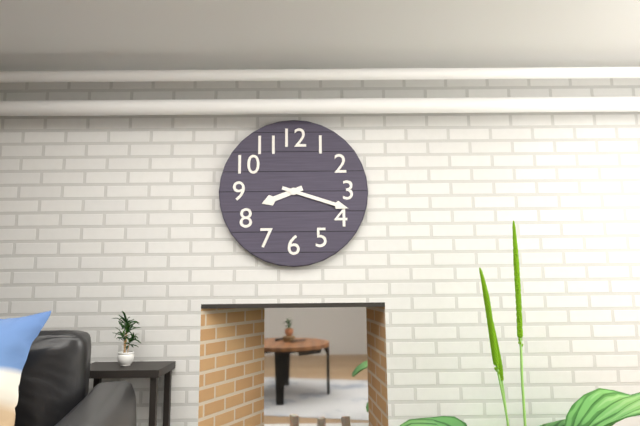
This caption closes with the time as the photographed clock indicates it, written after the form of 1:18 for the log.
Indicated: 8:18
